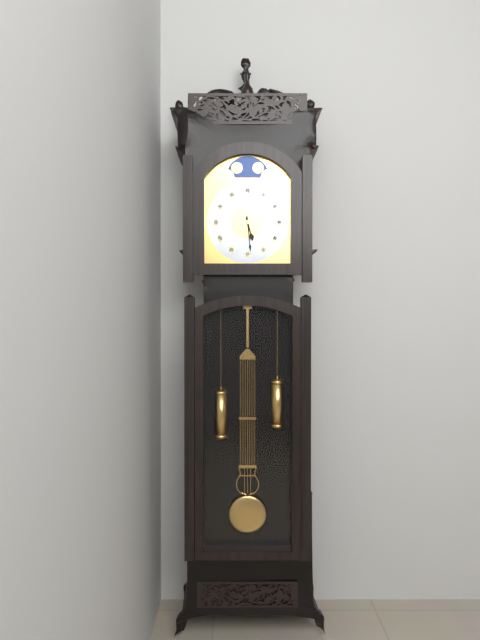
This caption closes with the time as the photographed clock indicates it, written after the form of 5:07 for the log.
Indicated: 5:29
